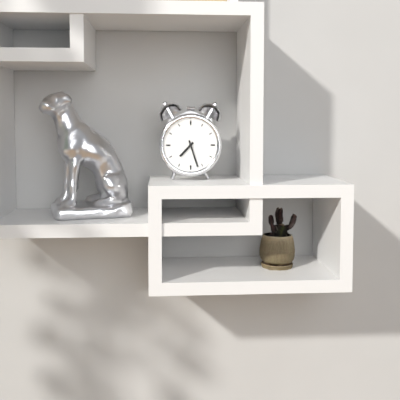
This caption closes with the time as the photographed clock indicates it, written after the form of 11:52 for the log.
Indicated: 7:27
